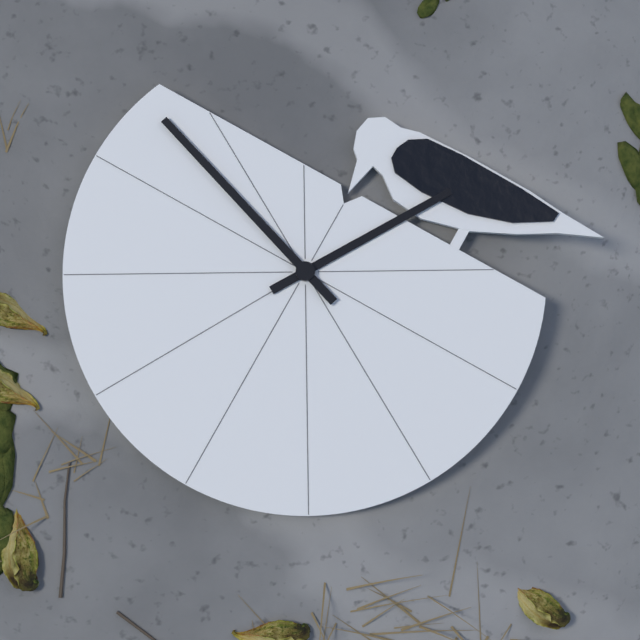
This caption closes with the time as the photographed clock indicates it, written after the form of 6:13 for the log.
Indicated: 4:03
